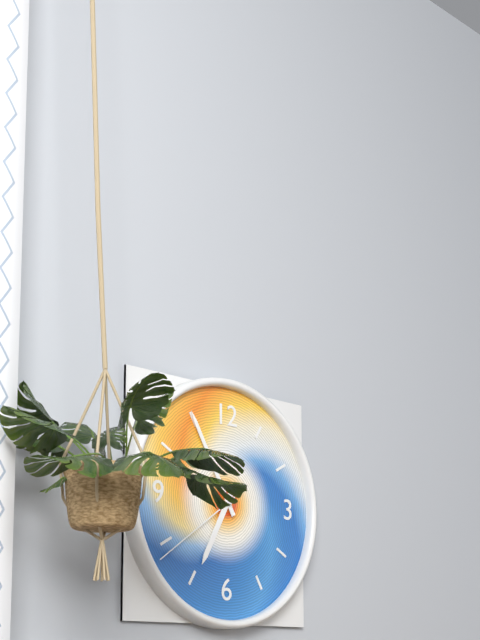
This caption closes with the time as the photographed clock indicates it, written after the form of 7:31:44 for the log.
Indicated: 6:55:39
